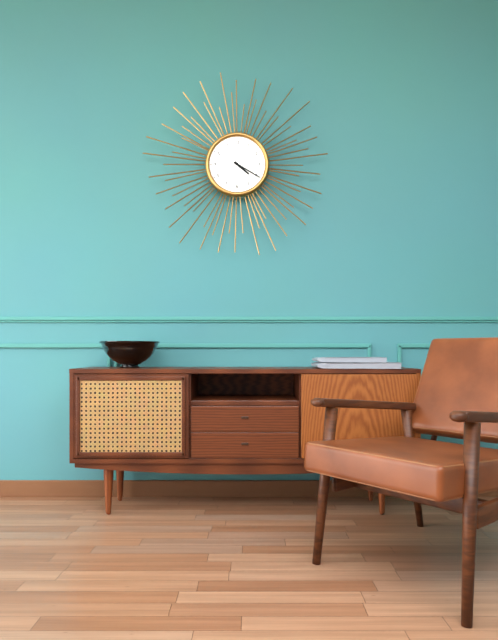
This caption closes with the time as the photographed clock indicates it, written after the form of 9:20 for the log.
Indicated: 4:20
